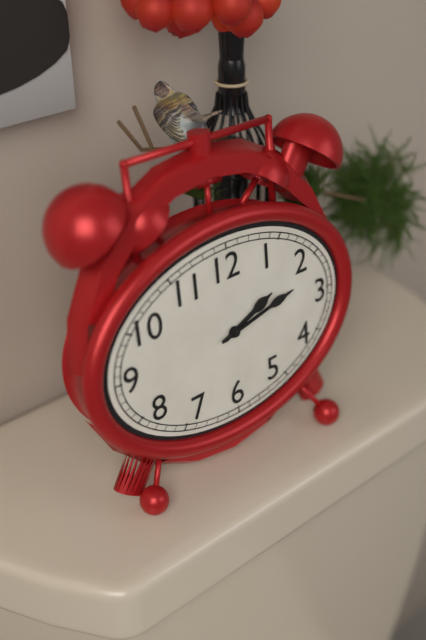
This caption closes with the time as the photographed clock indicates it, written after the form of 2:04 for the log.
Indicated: 2:13
